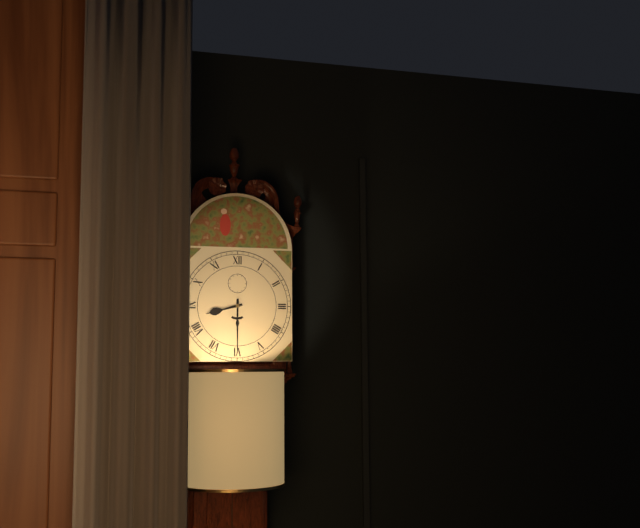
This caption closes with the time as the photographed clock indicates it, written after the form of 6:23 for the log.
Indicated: 8:30
